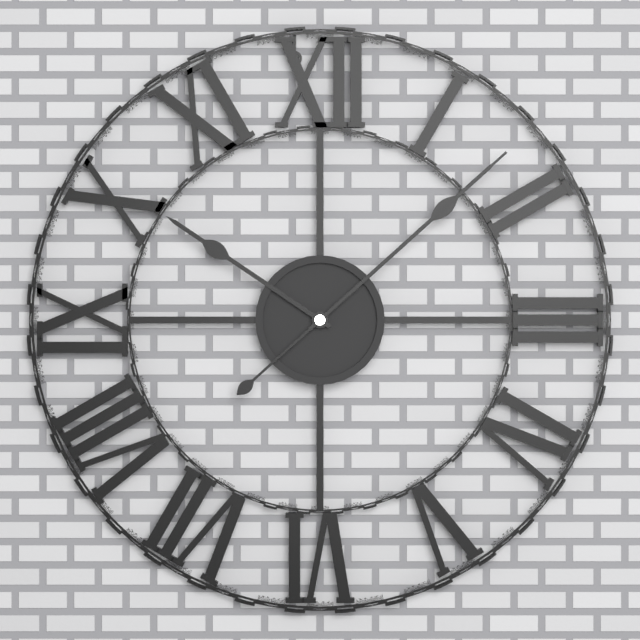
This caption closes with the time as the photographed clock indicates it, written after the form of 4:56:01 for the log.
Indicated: 10:08:08
